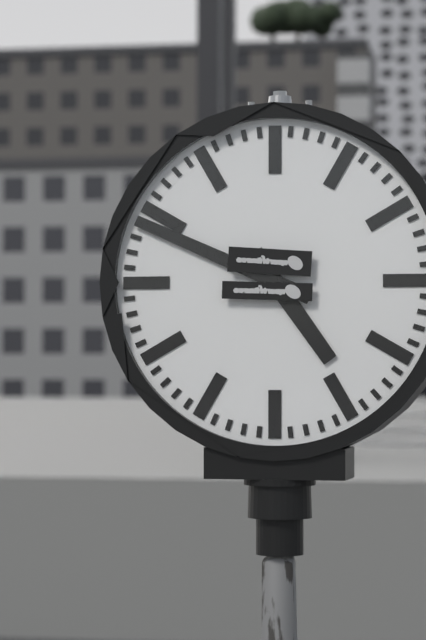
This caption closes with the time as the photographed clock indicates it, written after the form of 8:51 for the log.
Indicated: 4:49
